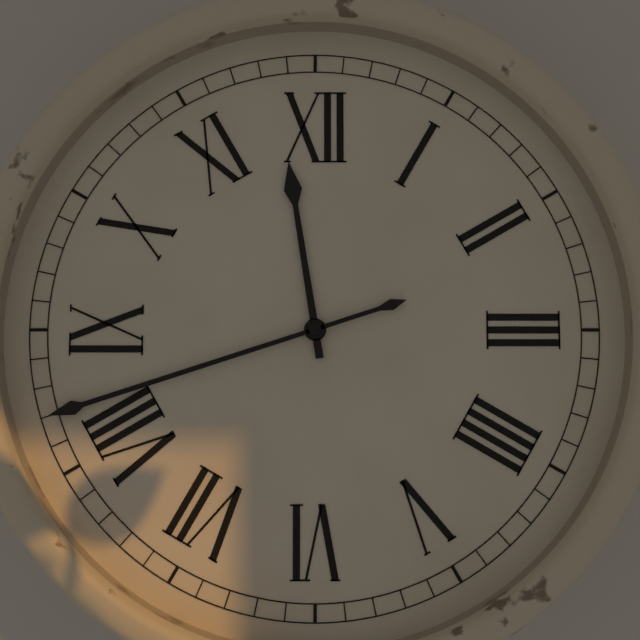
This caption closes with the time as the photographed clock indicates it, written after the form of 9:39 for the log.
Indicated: 11:42
